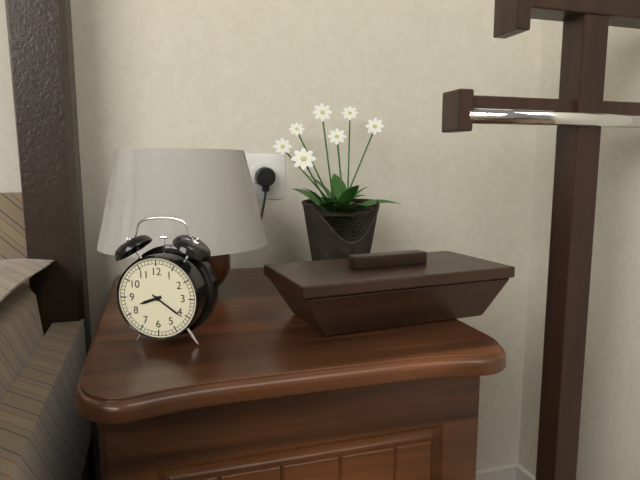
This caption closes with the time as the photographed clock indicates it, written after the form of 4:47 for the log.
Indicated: 8:21
